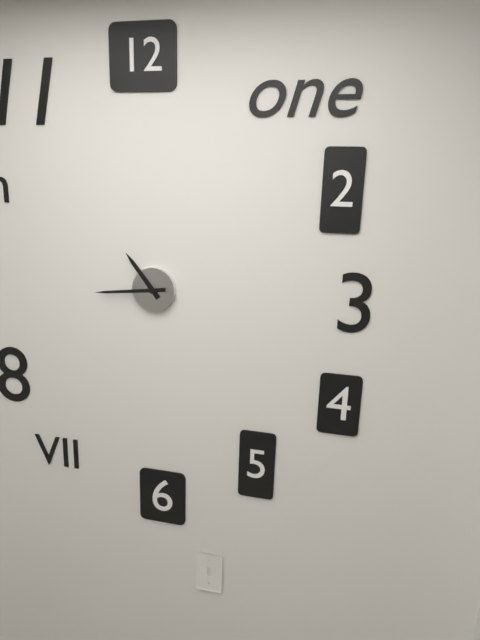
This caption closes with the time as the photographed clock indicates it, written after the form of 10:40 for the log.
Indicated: 10:44
